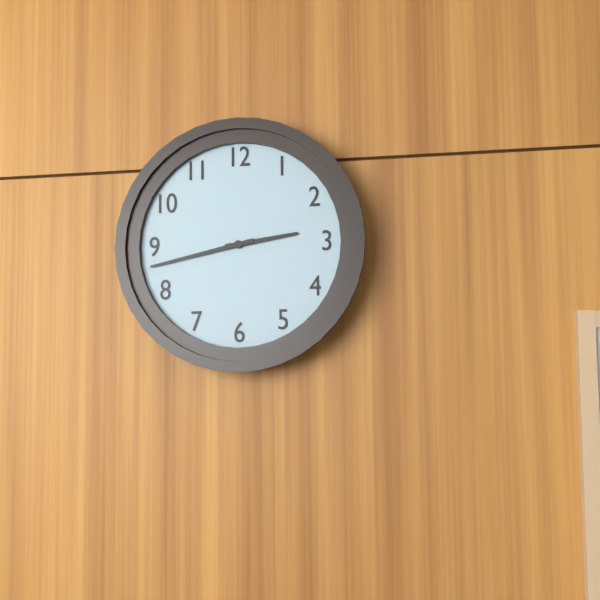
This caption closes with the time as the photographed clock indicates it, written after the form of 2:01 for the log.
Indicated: 2:43
